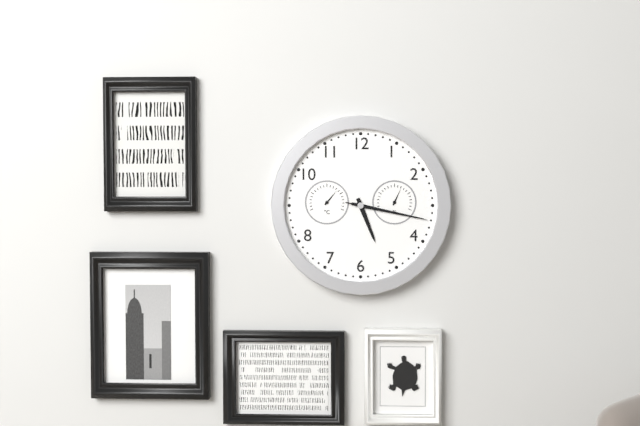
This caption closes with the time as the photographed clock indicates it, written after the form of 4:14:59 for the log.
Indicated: 5:17:17
